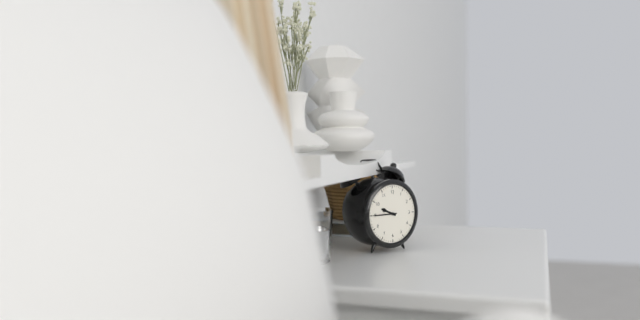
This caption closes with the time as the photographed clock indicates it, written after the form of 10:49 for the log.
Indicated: 9:45
